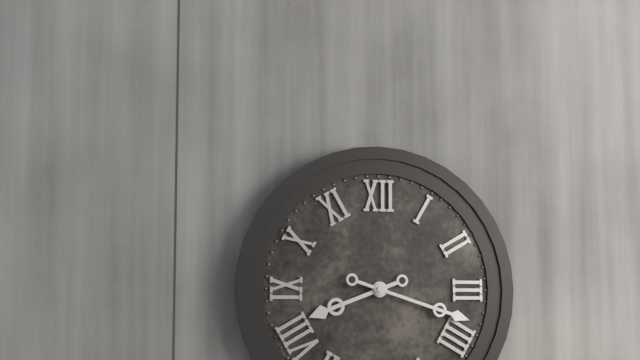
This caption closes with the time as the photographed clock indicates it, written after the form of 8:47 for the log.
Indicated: 8:18
